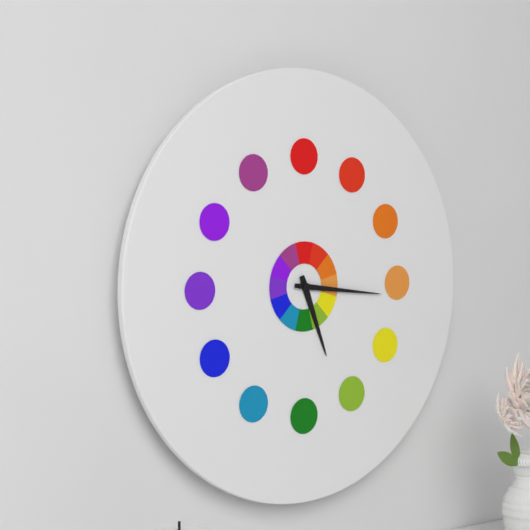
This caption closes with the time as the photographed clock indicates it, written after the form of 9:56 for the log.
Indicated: 5:16
